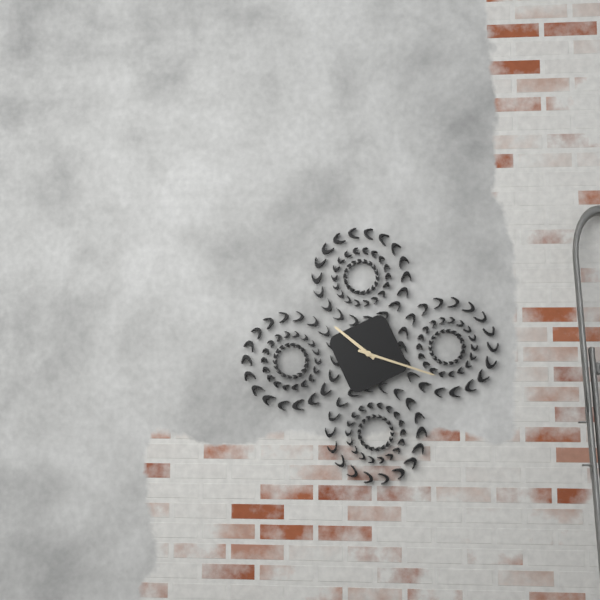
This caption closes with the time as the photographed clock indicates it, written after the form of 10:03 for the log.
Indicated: 10:18
